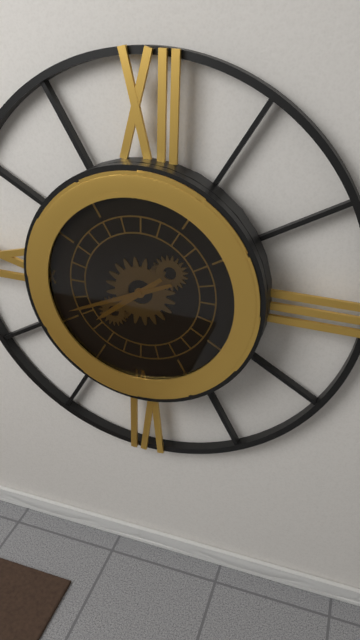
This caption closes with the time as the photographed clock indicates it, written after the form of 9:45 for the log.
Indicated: 7:41
